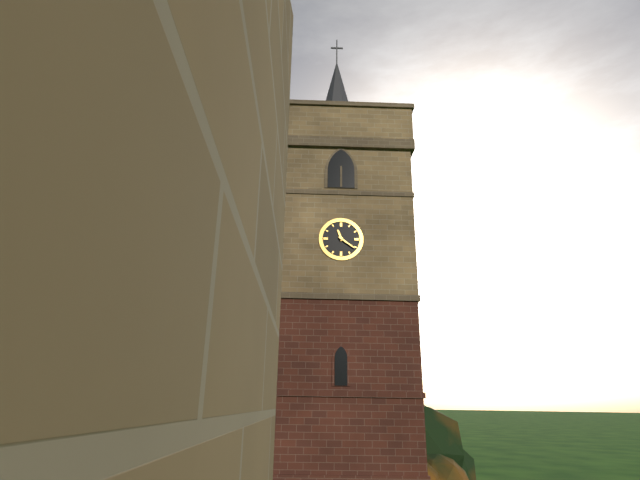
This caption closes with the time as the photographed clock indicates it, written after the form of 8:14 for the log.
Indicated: 11:21
